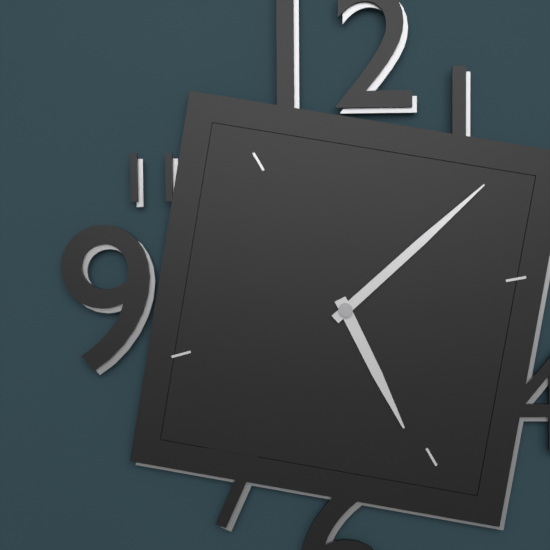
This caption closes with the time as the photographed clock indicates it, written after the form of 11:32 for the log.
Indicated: 5:08
